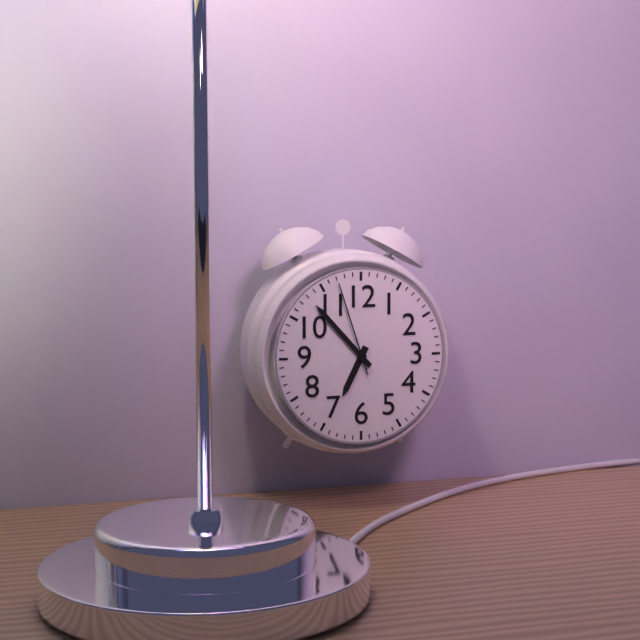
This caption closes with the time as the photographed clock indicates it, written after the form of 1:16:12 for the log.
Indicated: 6:53:57
